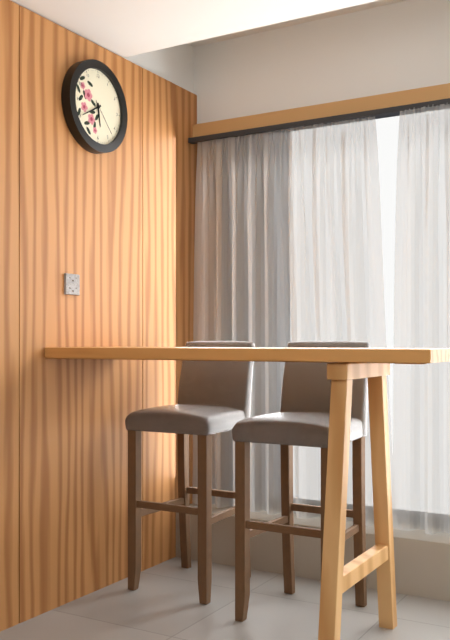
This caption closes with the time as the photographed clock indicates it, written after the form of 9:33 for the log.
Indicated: 5:40
